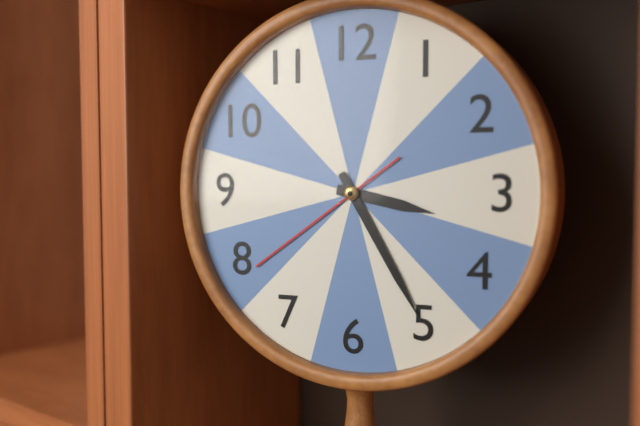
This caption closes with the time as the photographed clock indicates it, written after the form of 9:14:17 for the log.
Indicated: 3:25:39
